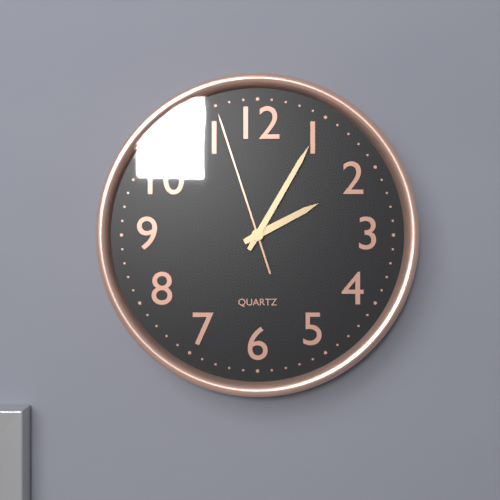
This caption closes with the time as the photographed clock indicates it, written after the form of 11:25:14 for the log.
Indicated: 2:05:57
